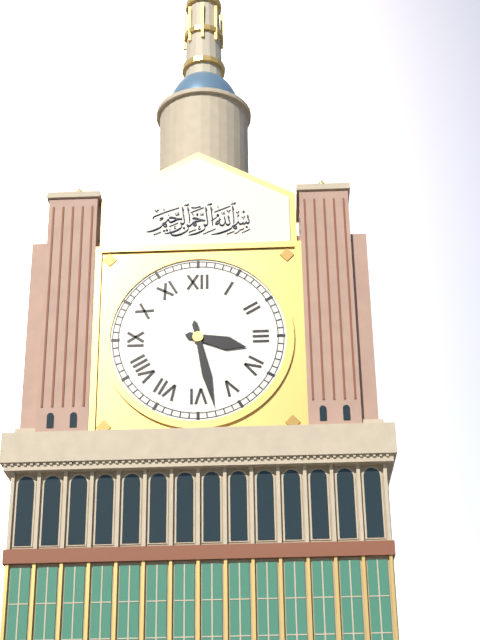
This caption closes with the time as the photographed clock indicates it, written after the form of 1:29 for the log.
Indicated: 3:28
